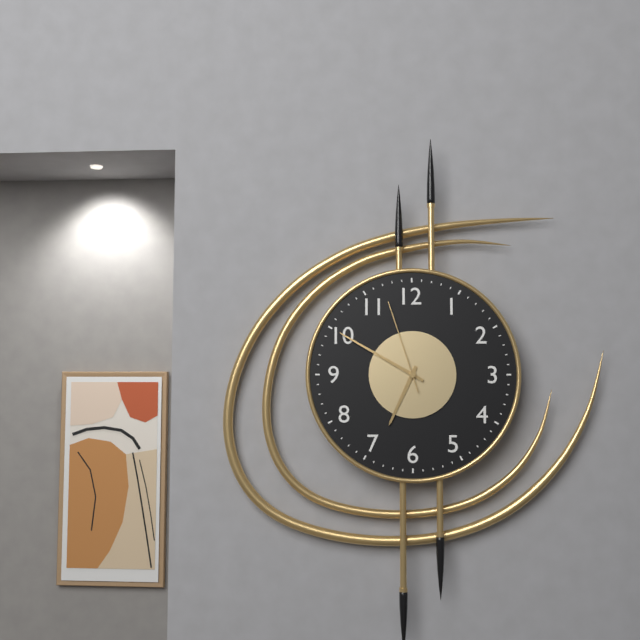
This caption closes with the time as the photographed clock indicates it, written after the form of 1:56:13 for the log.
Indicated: 6:50:57
